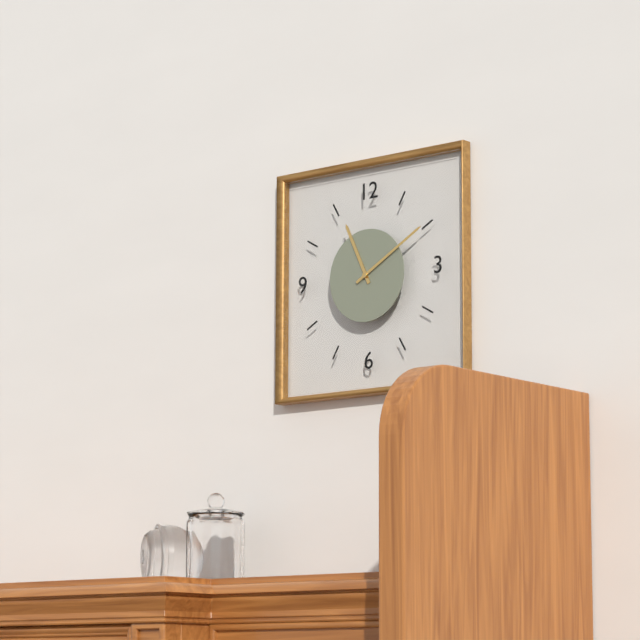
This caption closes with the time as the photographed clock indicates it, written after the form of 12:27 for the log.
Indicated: 11:10
